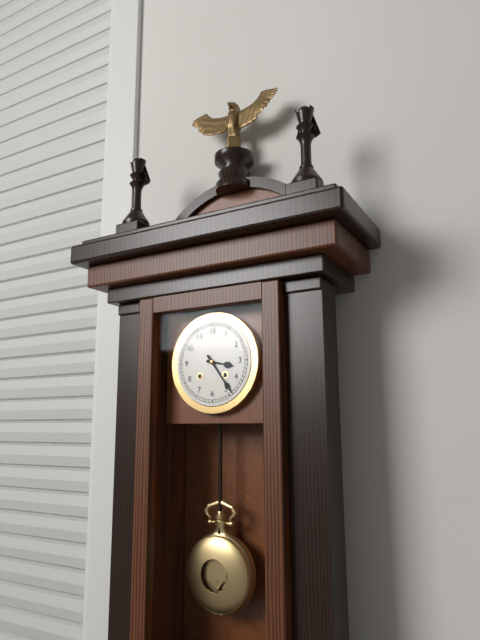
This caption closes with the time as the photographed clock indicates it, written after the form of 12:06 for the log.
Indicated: 3:24
